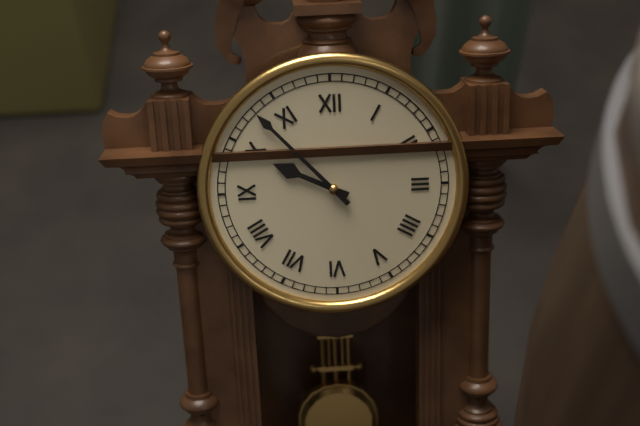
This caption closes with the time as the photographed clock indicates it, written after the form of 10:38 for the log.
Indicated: 9:53
